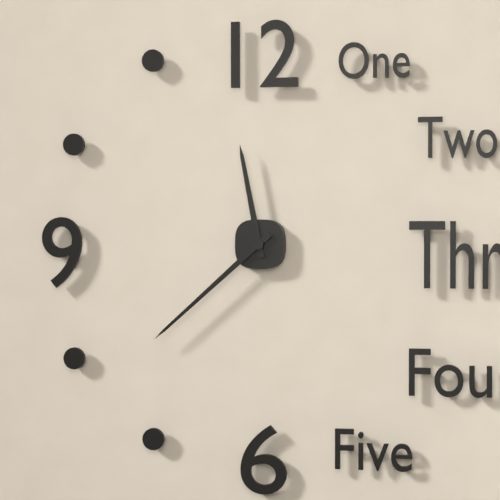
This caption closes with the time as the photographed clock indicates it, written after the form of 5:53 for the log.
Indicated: 11:38
